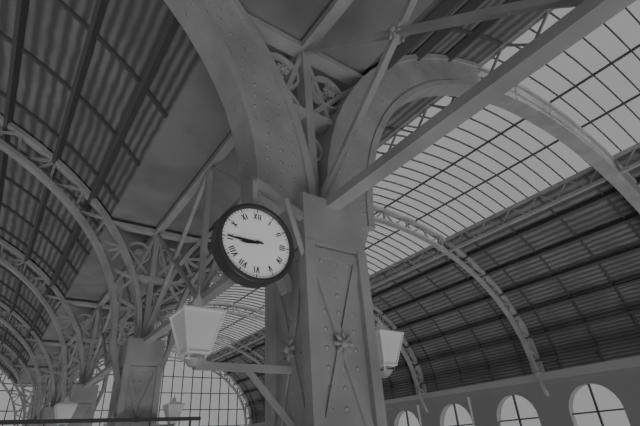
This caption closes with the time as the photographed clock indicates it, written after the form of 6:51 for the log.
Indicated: 8:45
